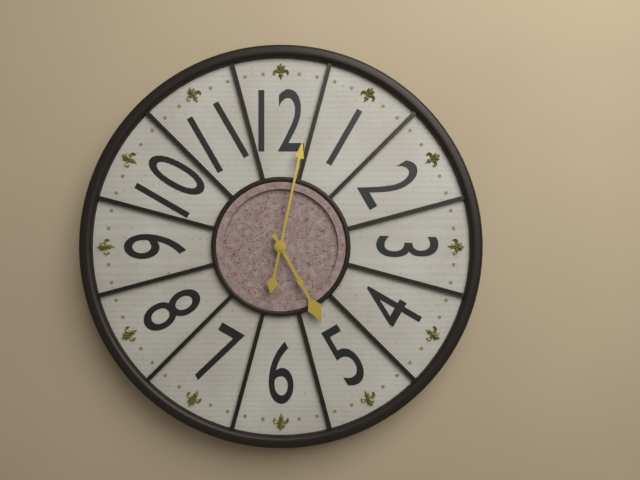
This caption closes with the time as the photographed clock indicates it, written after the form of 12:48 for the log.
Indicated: 5:02
